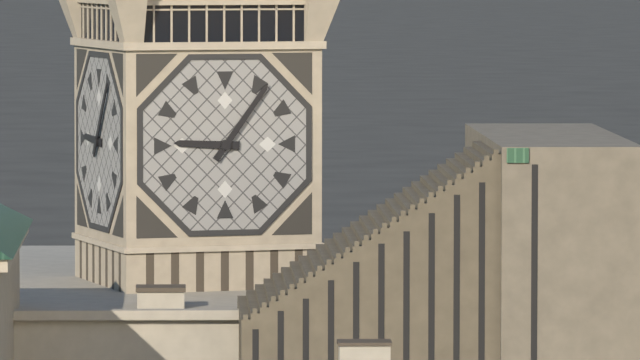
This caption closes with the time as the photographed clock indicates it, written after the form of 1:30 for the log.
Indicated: 9:06
